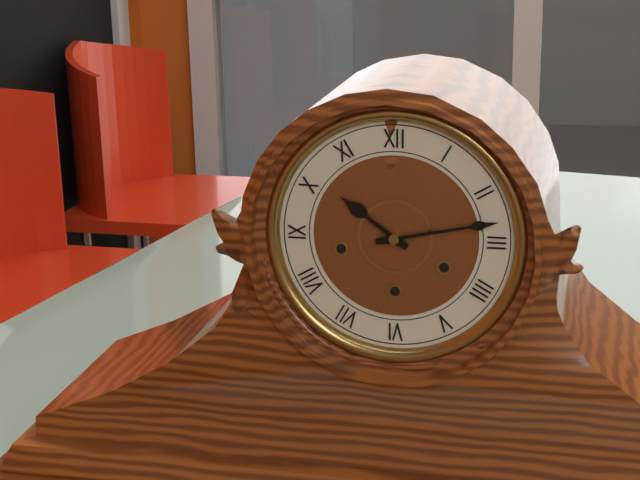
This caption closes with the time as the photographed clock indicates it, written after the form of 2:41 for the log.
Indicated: 10:13
